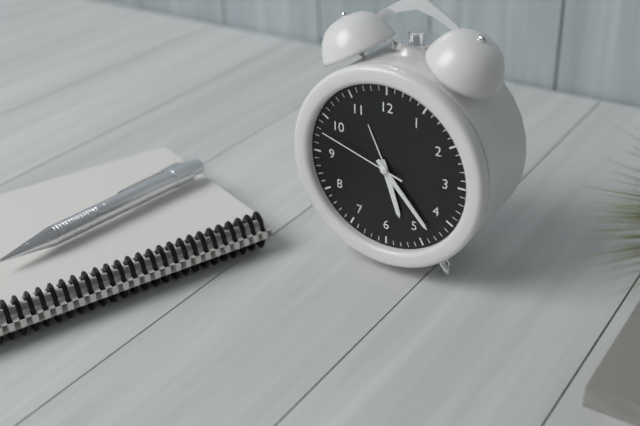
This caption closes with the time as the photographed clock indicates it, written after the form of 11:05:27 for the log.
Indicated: 5:23:48
